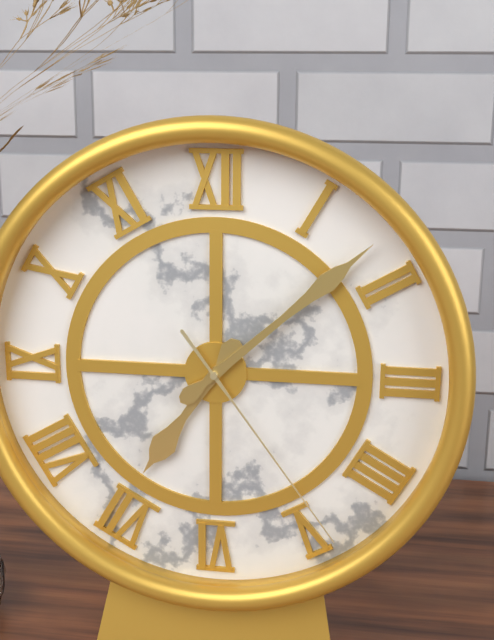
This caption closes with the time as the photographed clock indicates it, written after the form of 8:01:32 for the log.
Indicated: 7:08:24
